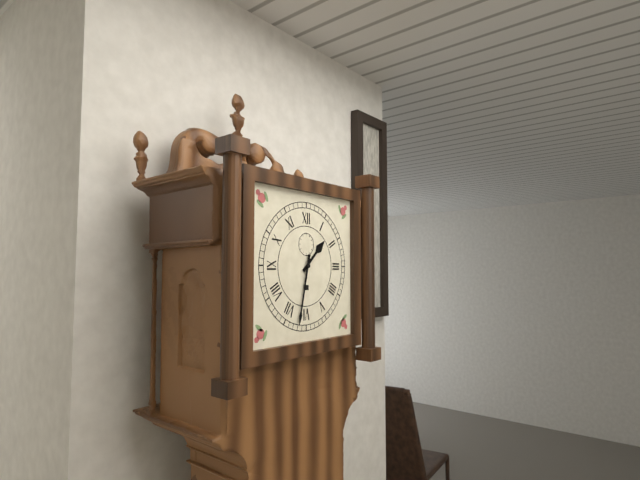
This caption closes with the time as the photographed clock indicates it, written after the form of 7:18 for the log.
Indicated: 1:32
